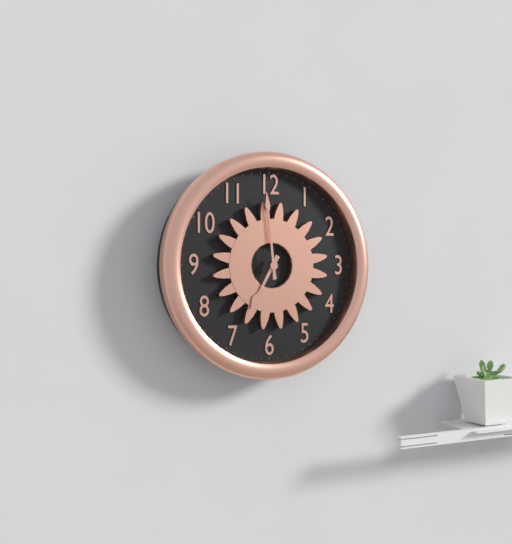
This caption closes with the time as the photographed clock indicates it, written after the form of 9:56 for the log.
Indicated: 6:59
